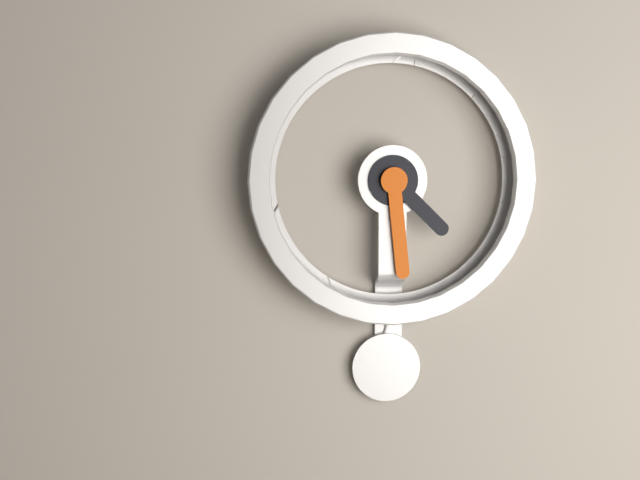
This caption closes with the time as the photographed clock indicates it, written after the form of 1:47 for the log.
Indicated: 4:29
